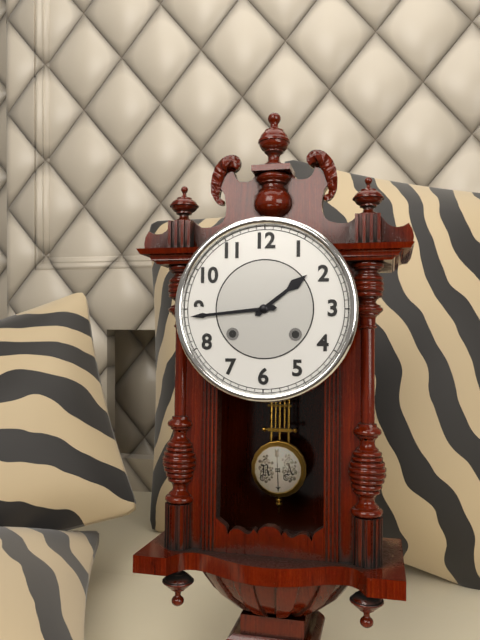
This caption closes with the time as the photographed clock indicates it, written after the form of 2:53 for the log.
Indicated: 1:44
